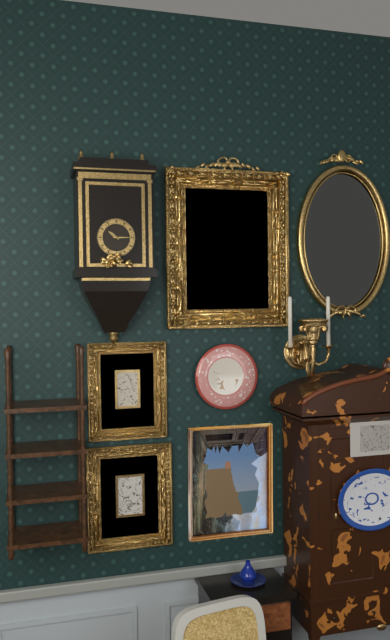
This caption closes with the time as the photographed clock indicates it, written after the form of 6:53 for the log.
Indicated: 10:15
